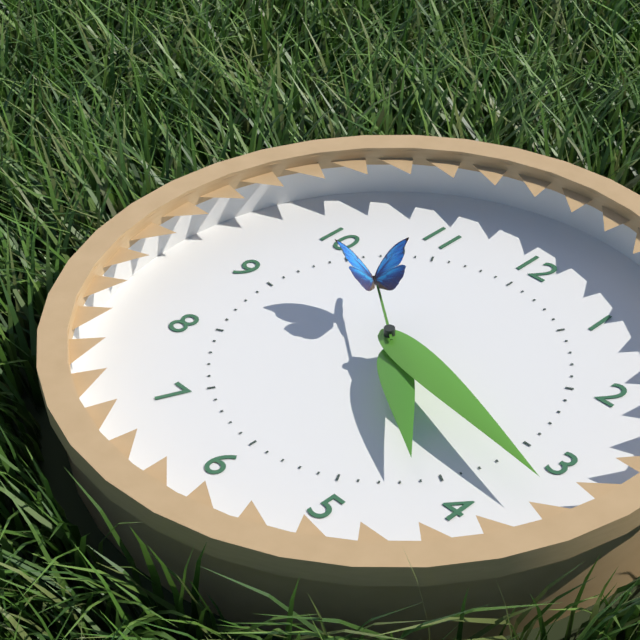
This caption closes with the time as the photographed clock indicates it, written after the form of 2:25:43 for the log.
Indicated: 4:17:51
